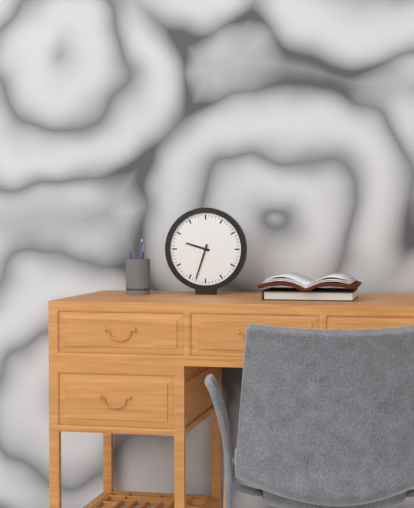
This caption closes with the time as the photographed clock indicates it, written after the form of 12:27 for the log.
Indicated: 9:33
